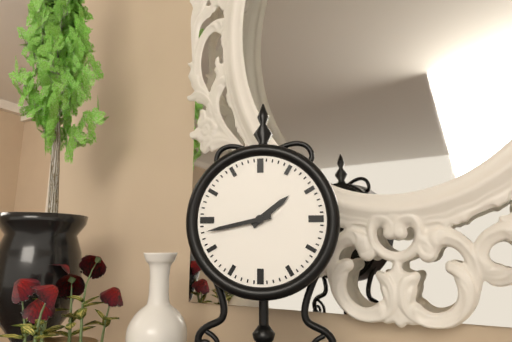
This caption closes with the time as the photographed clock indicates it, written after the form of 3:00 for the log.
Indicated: 1:43
